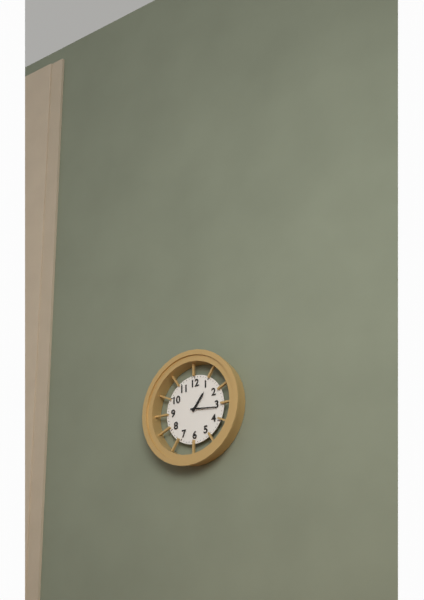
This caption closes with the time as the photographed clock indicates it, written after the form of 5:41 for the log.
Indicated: 1:16
